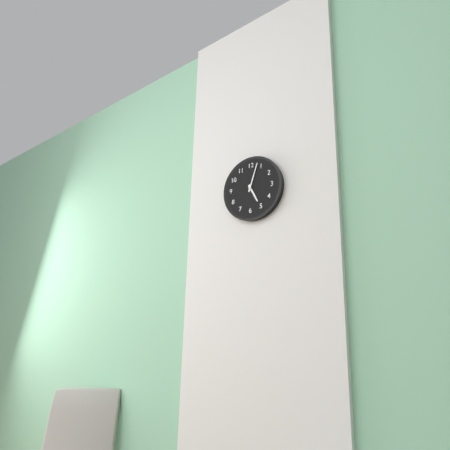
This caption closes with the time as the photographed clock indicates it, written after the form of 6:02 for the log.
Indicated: 5:03
